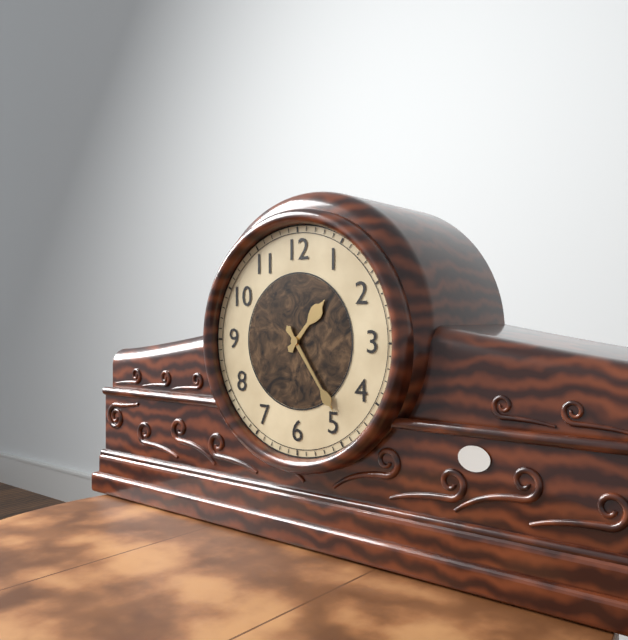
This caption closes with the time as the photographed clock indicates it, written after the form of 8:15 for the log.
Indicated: 1:24
